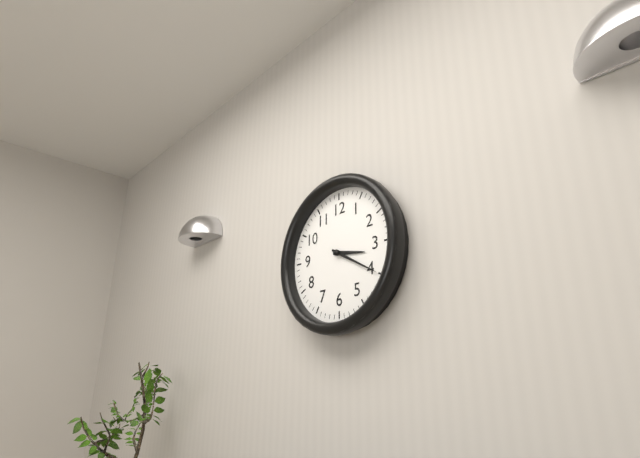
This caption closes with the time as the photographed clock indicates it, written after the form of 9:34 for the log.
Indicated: 3:20
